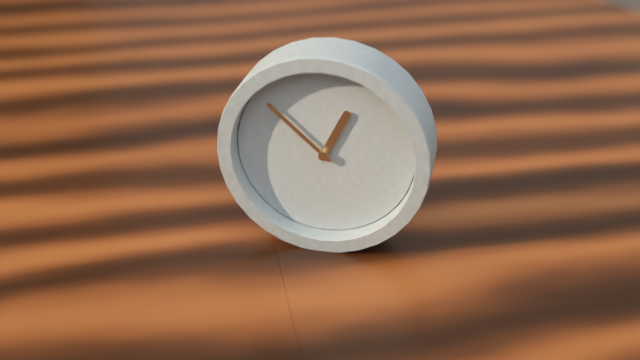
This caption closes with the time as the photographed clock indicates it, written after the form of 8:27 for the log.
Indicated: 12:52
